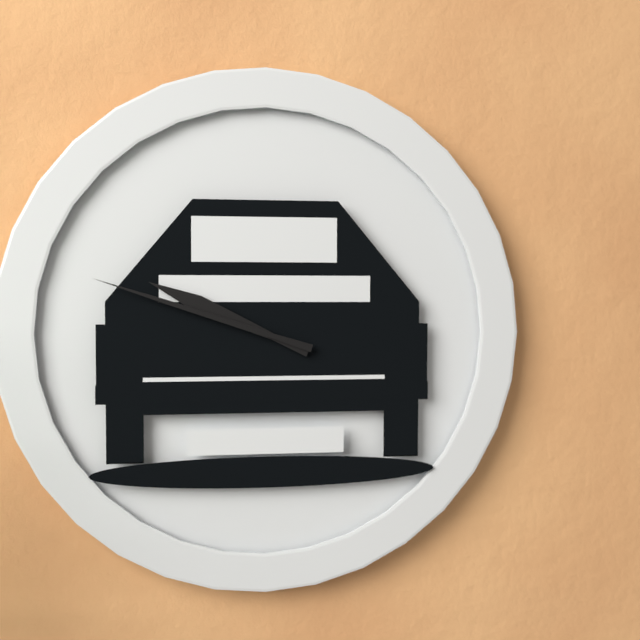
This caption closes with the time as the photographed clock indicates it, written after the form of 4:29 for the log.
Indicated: 9:48
